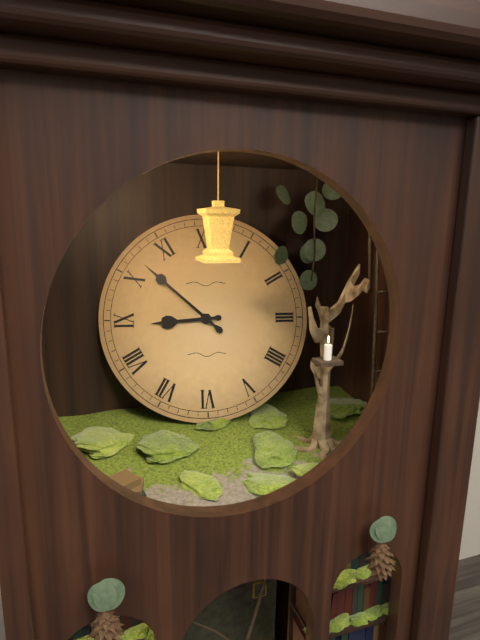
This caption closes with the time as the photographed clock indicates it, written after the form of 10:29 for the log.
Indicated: 8:52
